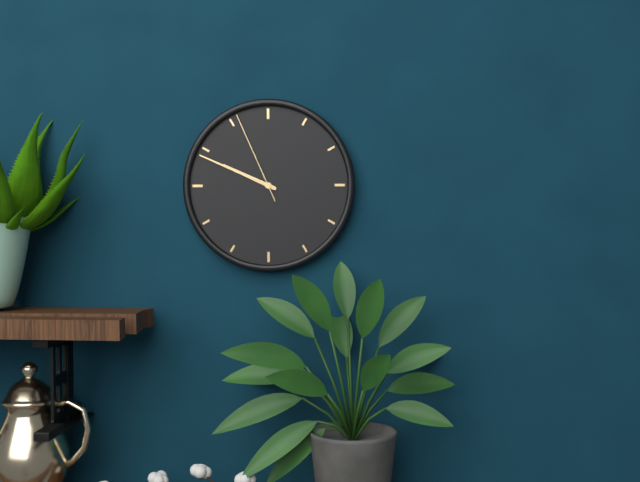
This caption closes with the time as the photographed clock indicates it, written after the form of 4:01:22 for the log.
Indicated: 9:49:56
